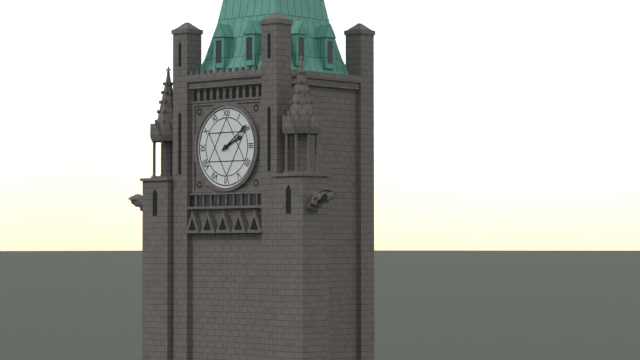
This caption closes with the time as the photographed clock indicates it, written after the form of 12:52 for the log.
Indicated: 2:09
